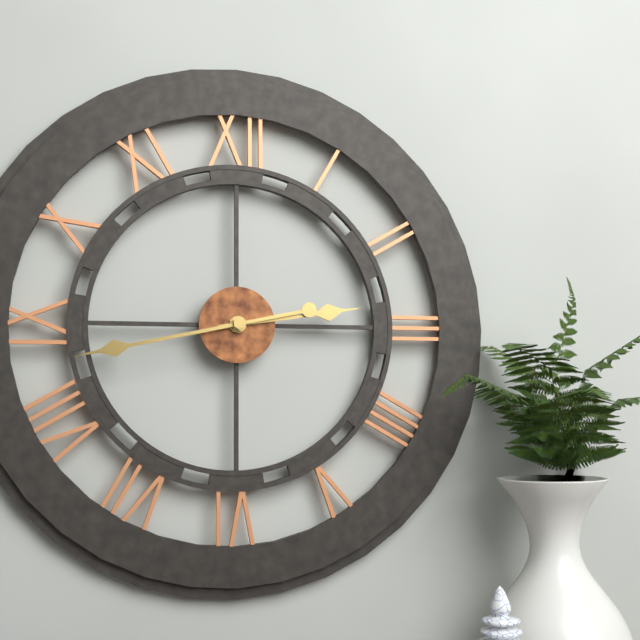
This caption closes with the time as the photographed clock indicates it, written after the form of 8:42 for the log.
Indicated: 2:43
